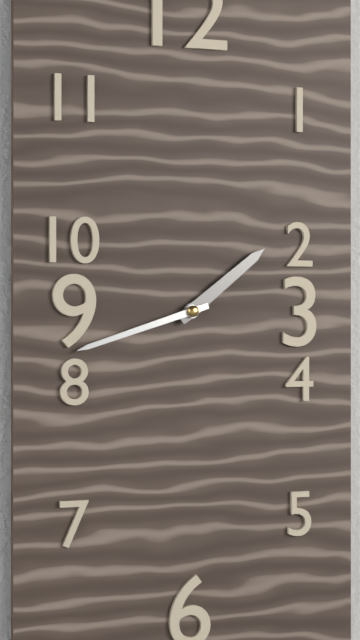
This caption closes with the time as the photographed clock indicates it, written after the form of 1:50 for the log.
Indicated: 1:42
